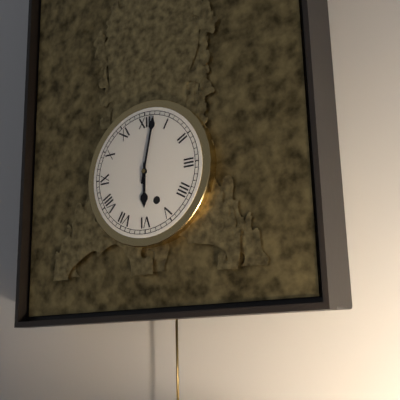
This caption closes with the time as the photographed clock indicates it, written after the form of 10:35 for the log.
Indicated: 6:02
